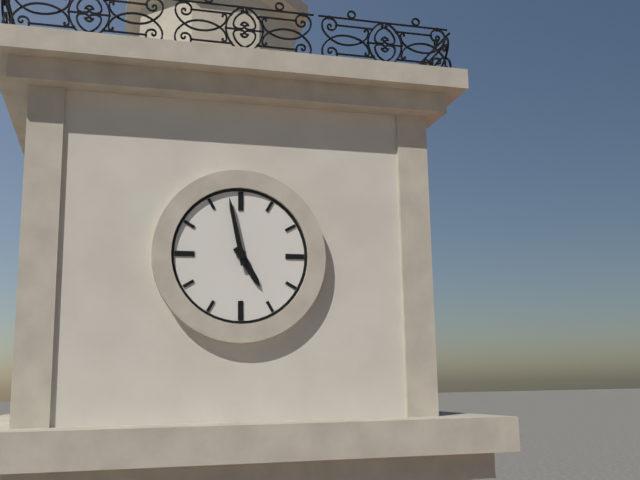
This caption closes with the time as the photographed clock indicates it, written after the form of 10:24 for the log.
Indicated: 4:58
